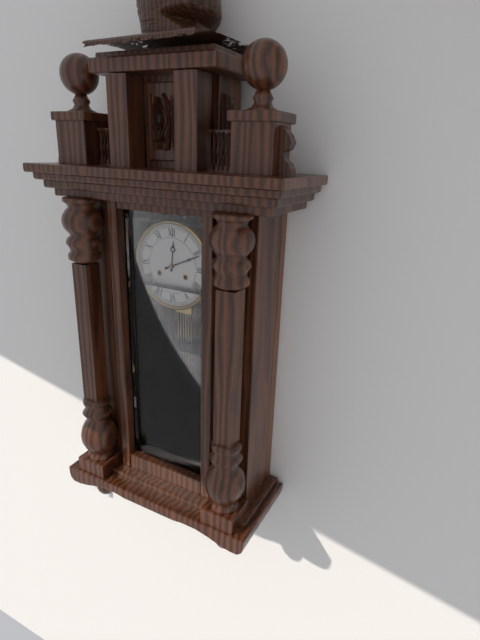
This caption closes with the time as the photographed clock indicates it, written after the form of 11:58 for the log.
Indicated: 12:11
